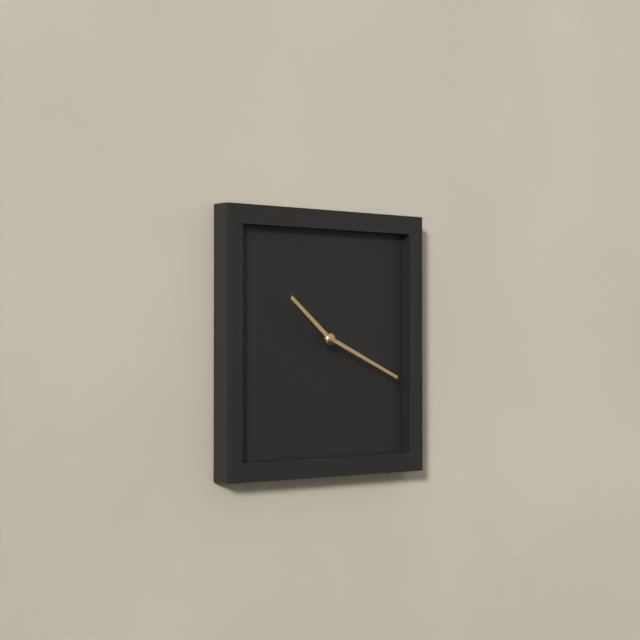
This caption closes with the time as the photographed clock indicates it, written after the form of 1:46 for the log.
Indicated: 10:19
